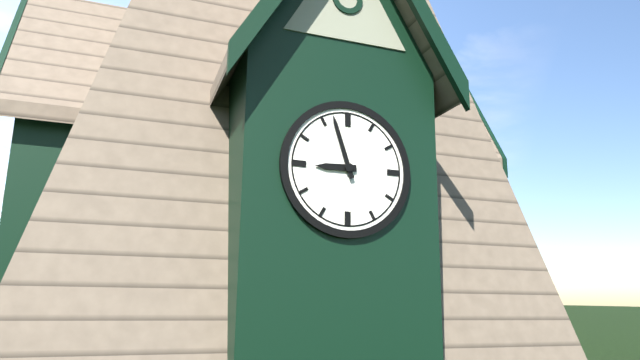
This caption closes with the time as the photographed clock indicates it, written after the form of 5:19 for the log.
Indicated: 8:57
